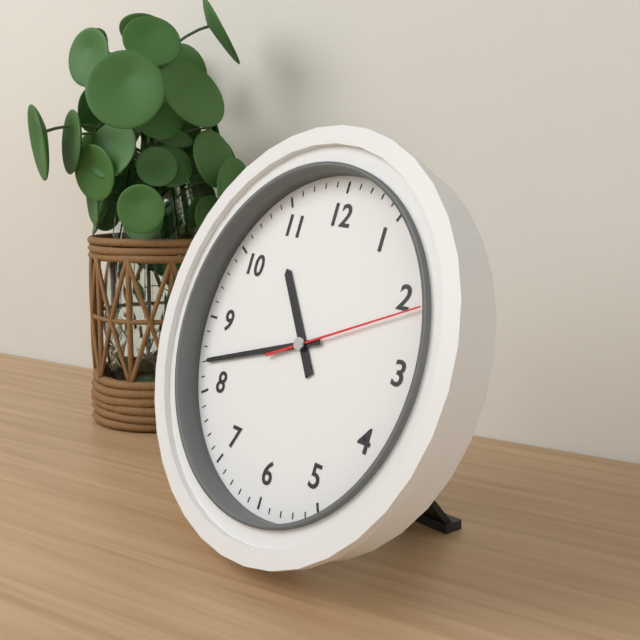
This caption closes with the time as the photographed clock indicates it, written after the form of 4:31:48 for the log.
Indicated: 10:42:11
